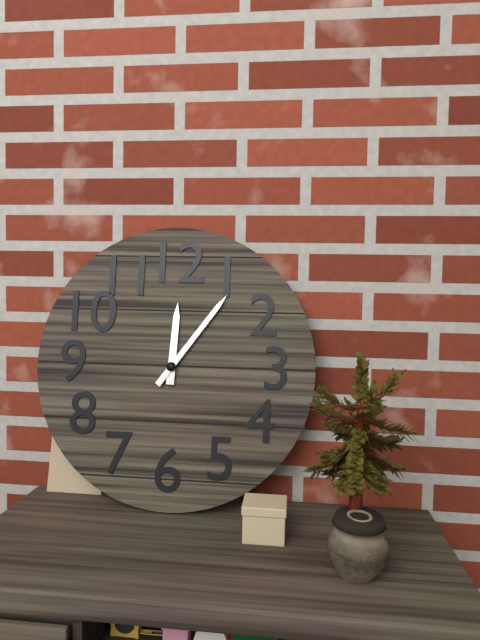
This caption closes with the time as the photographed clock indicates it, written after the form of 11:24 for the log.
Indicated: 12:06
